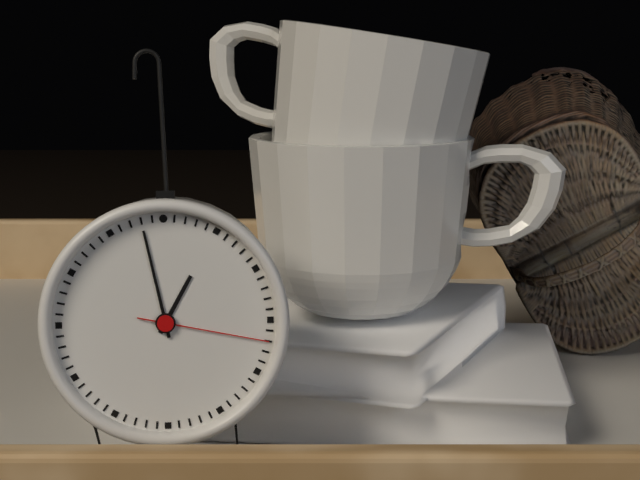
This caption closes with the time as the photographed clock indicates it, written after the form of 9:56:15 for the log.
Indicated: 12:58:17
